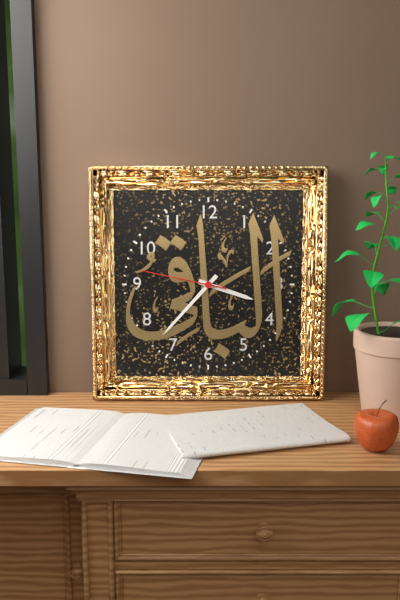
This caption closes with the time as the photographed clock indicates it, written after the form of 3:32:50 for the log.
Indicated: 3:37:47
